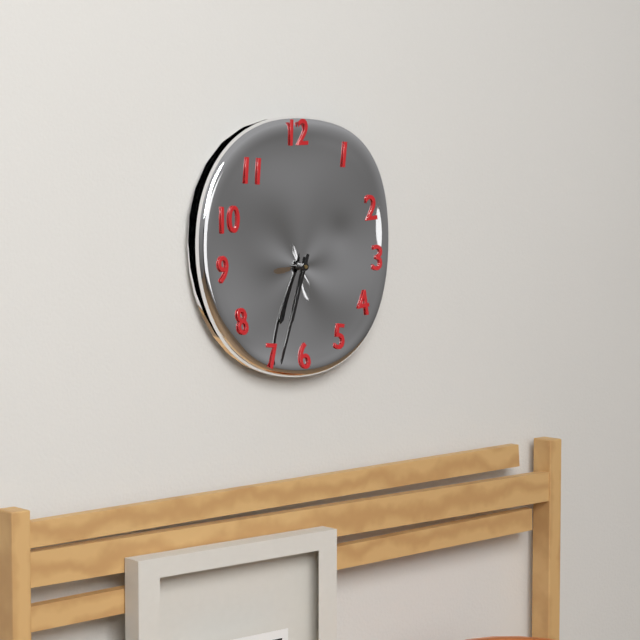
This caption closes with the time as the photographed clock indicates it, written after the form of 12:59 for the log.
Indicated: 6:33
